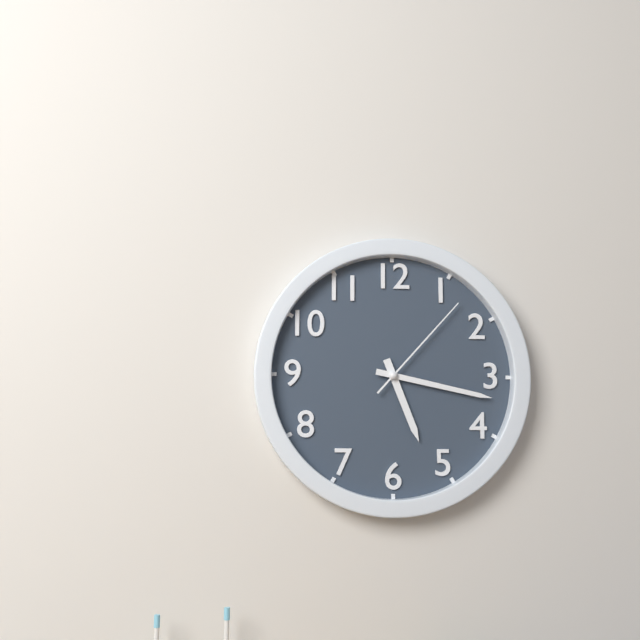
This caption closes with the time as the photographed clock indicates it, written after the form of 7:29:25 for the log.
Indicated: 5:17:07
